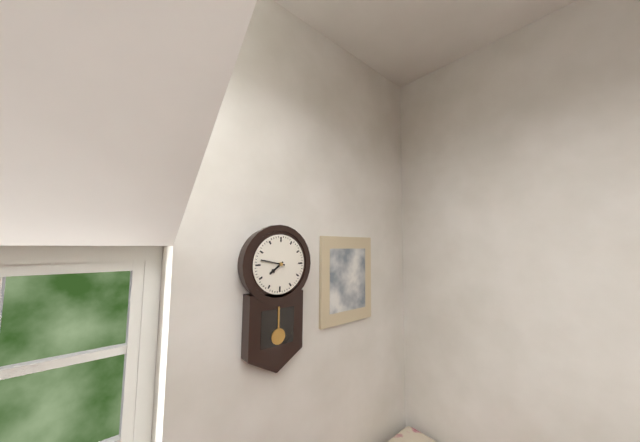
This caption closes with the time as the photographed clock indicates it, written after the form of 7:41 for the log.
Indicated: 7:47
